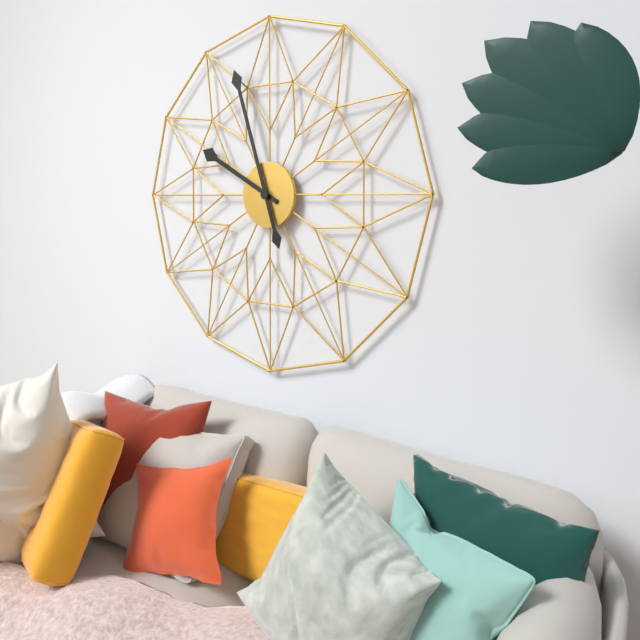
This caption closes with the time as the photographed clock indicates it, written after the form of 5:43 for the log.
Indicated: 9:57
